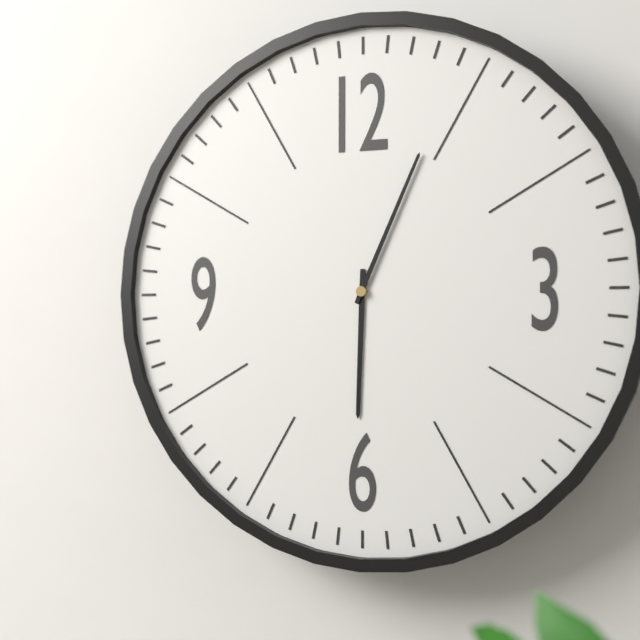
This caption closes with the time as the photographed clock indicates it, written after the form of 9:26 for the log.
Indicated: 6:04
